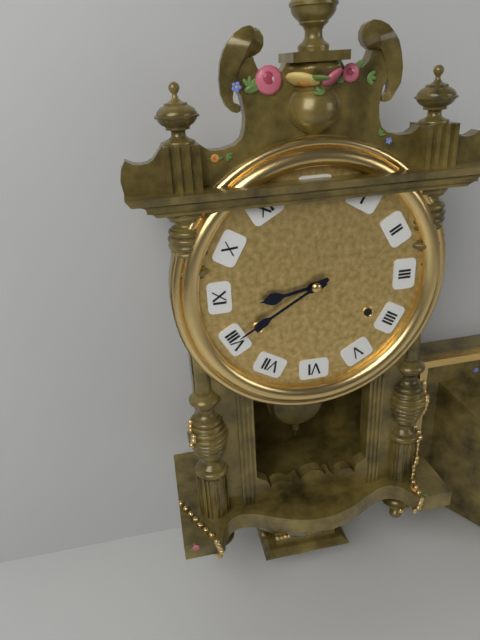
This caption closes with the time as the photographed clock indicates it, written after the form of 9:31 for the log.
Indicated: 8:40
